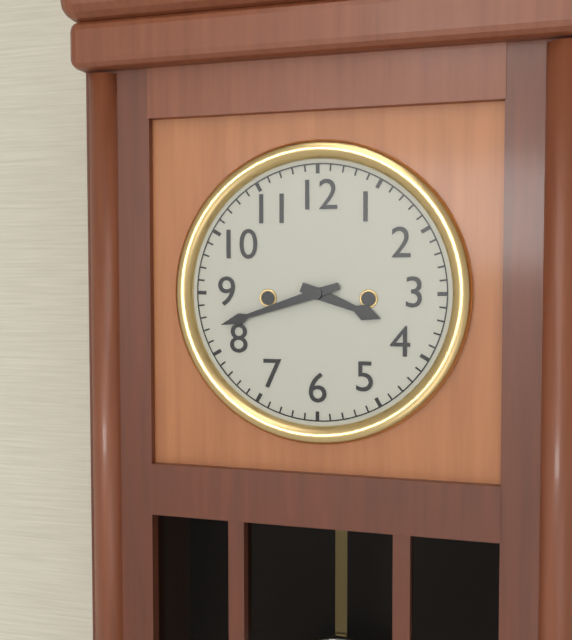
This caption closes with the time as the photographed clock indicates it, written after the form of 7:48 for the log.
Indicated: 3:42
